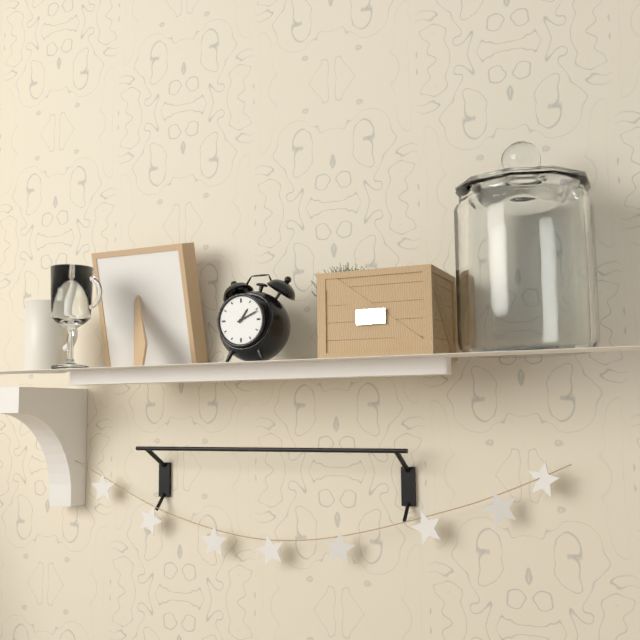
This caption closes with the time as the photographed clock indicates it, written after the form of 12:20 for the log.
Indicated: 1:11
